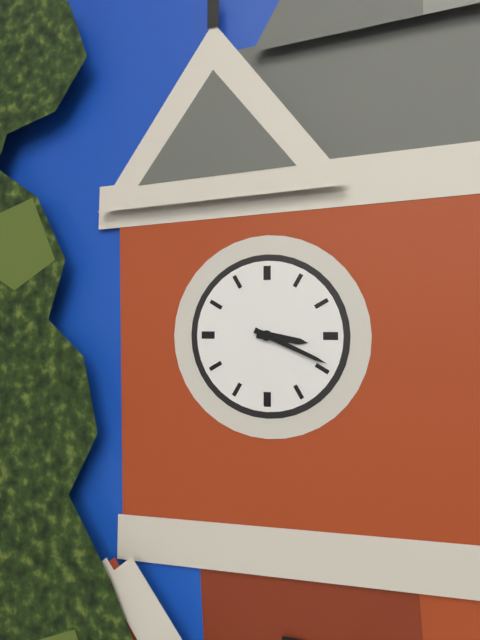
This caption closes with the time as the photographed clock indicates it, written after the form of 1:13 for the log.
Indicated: 3:19
